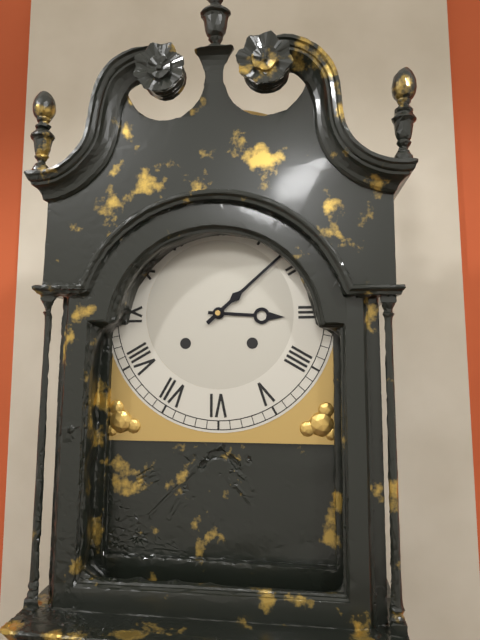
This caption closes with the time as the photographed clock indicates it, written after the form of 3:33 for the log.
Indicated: 3:08
